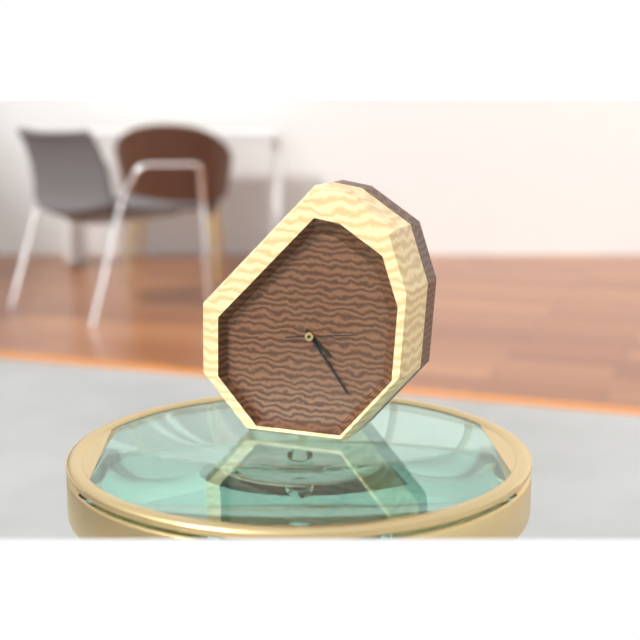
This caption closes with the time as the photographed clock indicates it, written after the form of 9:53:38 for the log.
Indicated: 4:24:14
